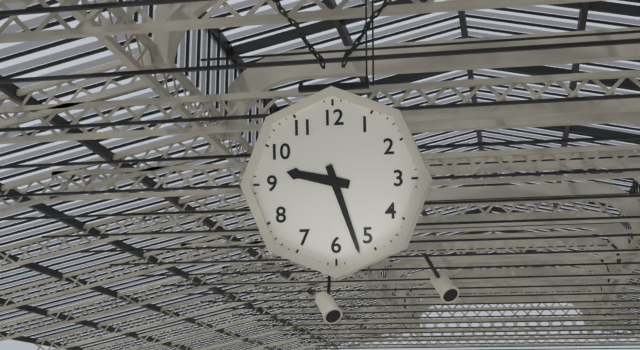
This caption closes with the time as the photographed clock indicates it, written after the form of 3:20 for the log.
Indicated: 9:27
